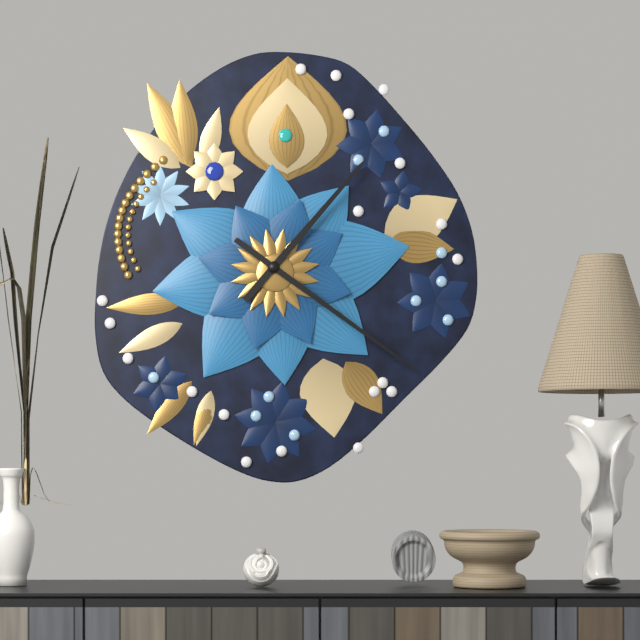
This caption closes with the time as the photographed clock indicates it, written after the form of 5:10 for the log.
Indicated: 1:21
